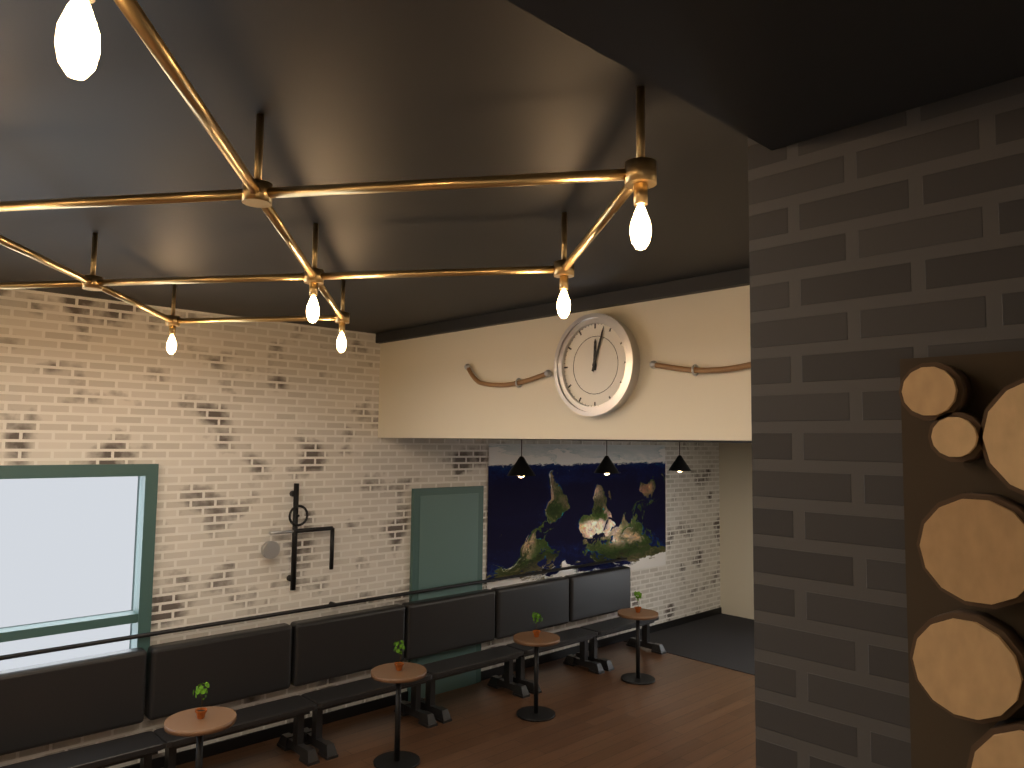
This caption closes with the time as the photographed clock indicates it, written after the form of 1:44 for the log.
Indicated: 12:03
